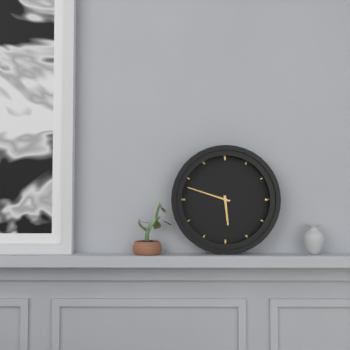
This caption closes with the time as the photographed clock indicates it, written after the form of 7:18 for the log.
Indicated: 5:48
